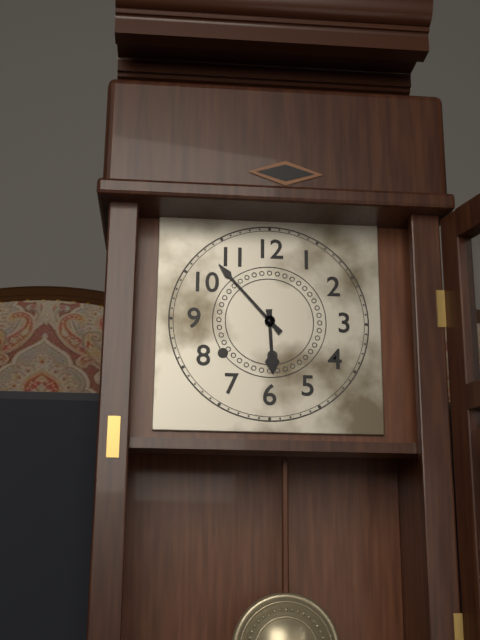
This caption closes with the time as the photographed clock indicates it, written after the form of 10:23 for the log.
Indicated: 5:53
